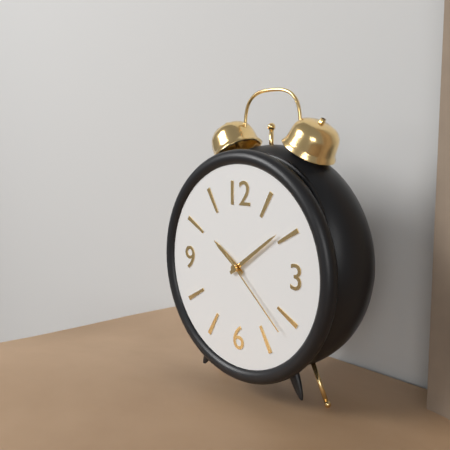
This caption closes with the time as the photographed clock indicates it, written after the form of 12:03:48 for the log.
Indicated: 10:09:22
